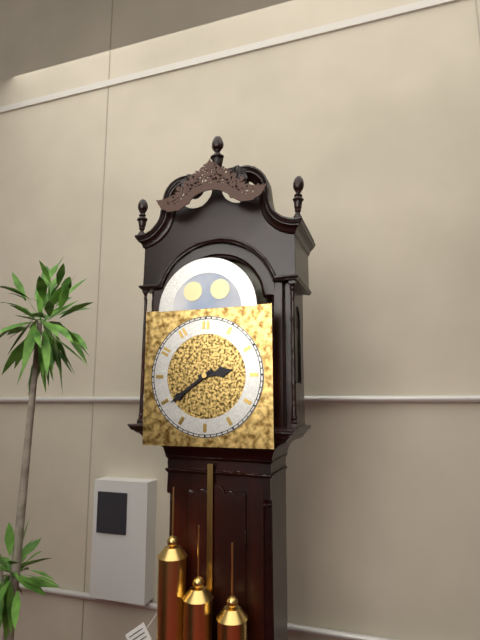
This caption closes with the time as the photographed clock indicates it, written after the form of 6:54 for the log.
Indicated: 2:39
